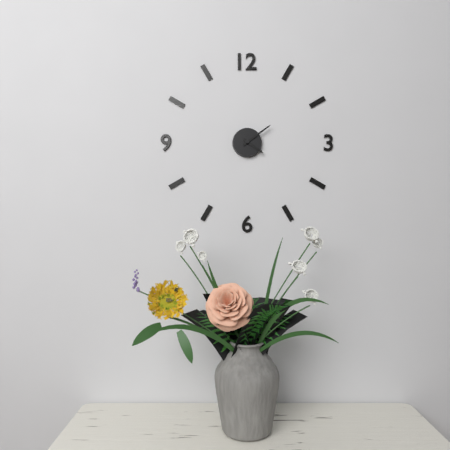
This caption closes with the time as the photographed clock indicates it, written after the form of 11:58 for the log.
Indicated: 4:09
